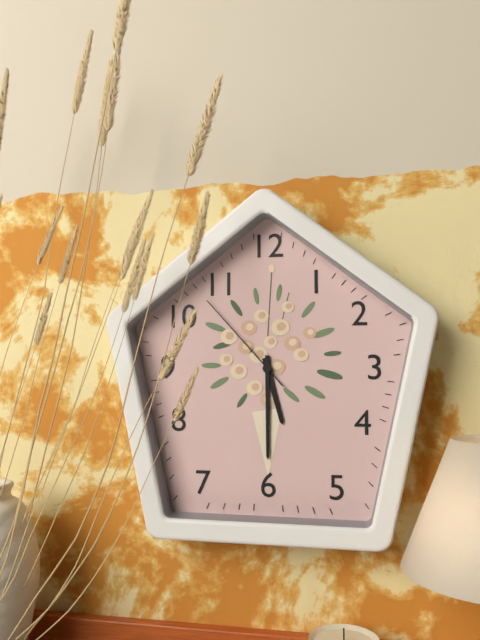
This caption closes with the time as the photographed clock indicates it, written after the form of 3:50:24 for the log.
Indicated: 5:30:53
